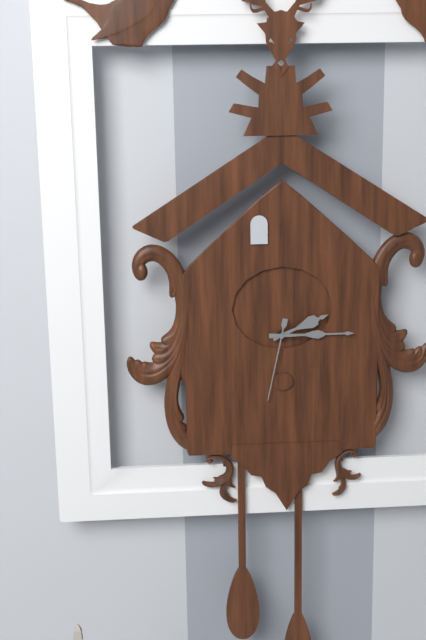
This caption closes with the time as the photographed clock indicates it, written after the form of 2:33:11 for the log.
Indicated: 2:15:32
